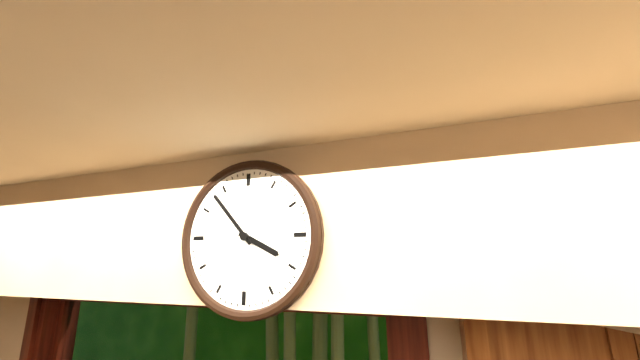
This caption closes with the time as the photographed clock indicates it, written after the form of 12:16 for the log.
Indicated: 3:53
